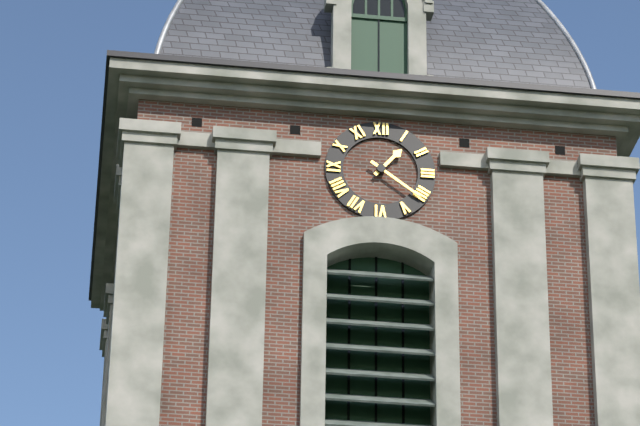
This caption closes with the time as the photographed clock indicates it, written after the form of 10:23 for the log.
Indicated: 1:21
